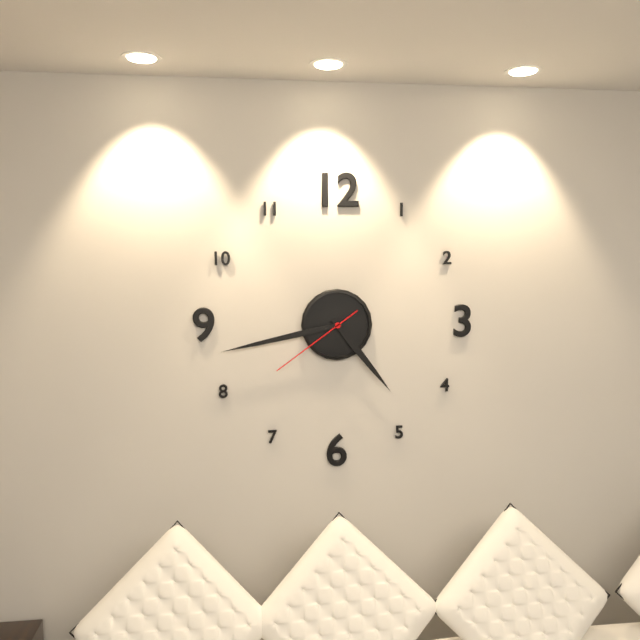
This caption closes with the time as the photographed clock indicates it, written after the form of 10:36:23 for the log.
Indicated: 4:43:39
